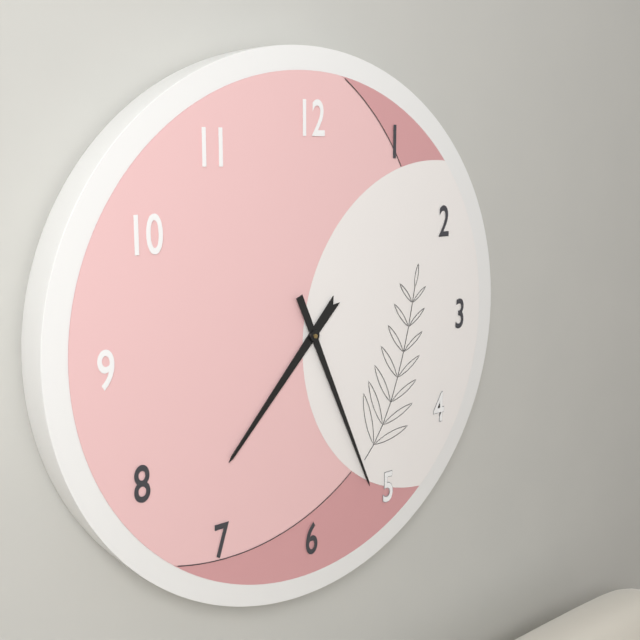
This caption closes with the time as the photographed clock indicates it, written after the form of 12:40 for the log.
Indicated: 7:26
